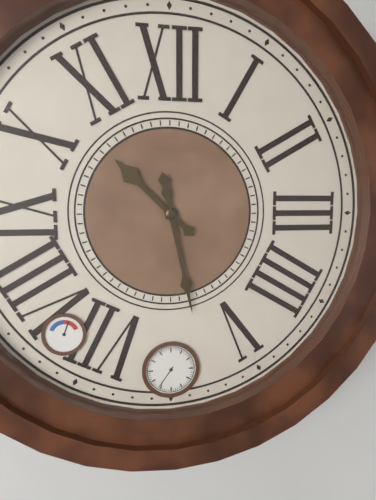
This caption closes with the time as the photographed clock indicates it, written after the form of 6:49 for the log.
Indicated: 10:28
